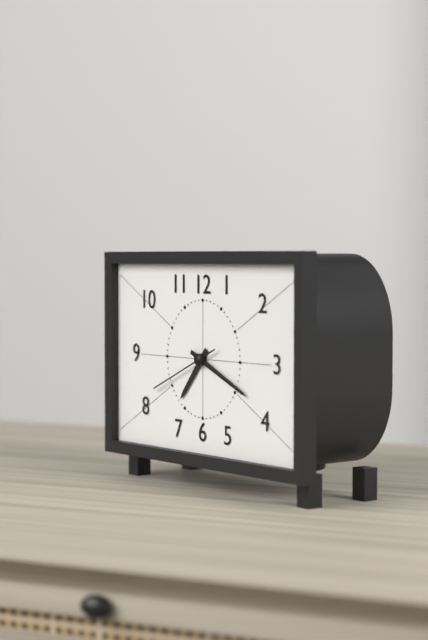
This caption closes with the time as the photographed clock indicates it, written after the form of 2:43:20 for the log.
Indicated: 7:19:41
